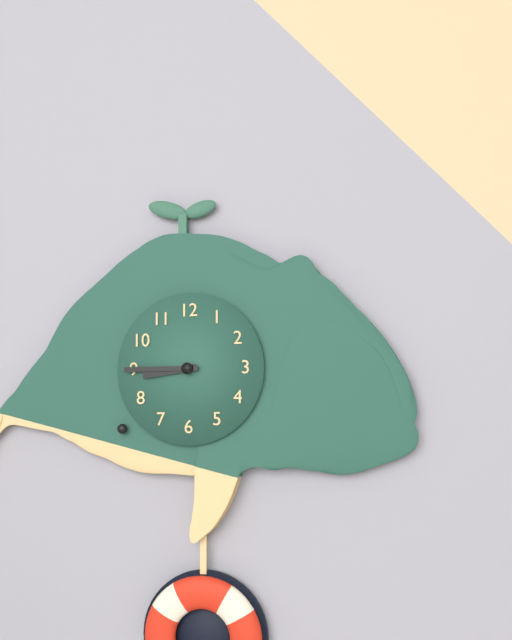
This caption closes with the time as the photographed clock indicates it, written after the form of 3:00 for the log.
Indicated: 8:45
